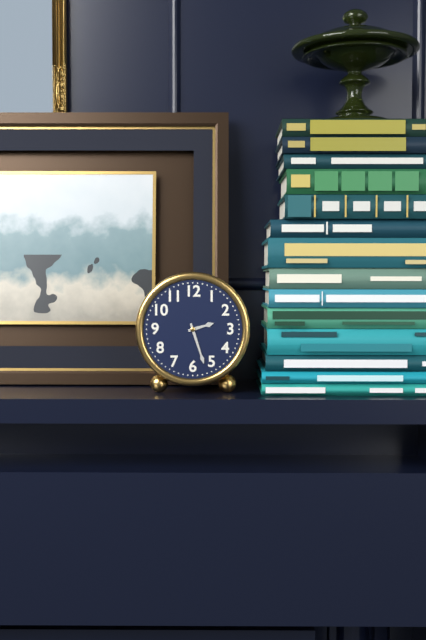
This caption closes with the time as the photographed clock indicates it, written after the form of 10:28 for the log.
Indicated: 2:27
